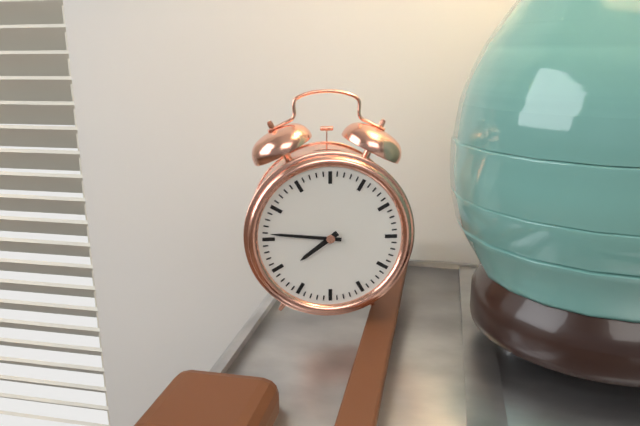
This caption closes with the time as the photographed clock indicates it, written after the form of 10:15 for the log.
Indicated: 7:46
